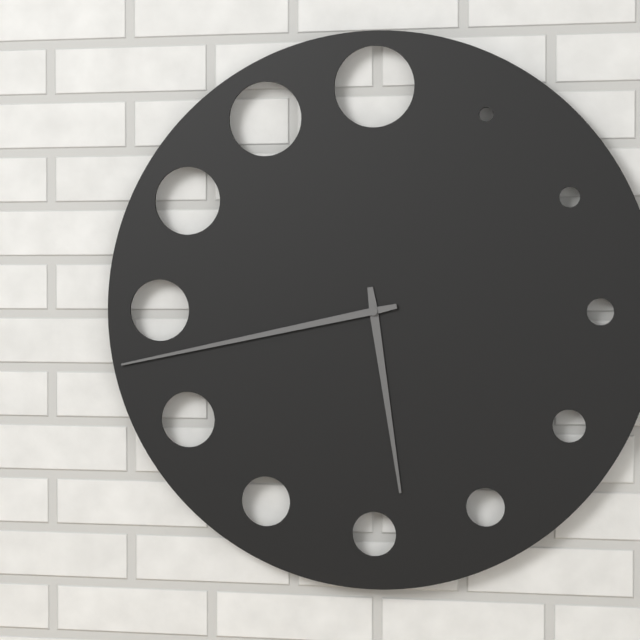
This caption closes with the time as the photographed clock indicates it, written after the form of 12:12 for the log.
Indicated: 5:43
